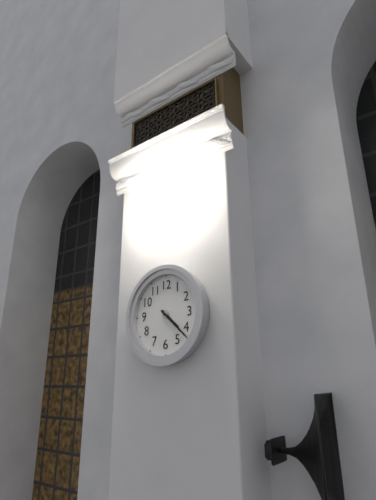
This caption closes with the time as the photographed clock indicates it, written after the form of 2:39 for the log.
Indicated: 4:22
